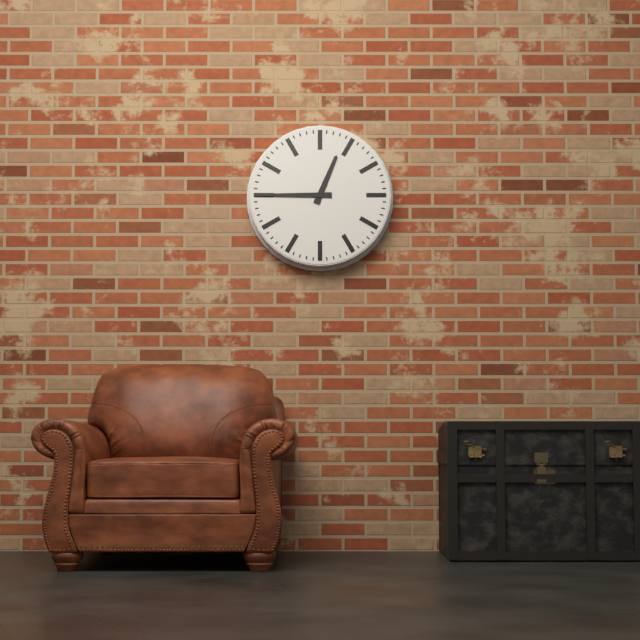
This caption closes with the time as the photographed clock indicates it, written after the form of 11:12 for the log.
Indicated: 12:45
